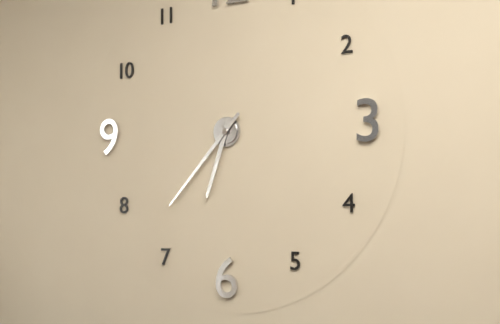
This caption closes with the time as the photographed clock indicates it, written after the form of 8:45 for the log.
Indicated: 6:37
